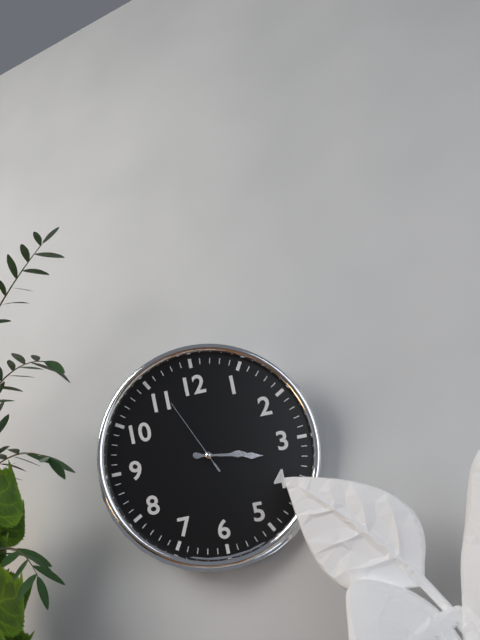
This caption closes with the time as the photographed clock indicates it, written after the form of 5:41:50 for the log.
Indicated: 3:17:56
